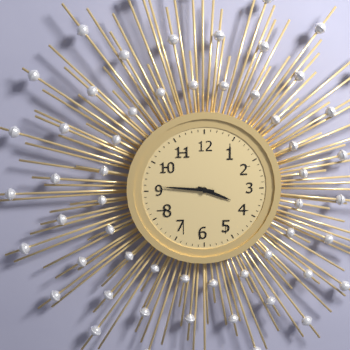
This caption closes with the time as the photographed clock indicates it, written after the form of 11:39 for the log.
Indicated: 3:46
